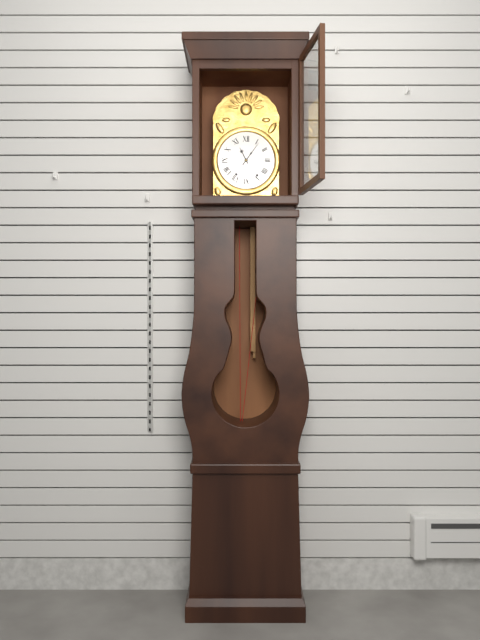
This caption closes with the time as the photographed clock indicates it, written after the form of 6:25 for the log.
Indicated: 11:06
